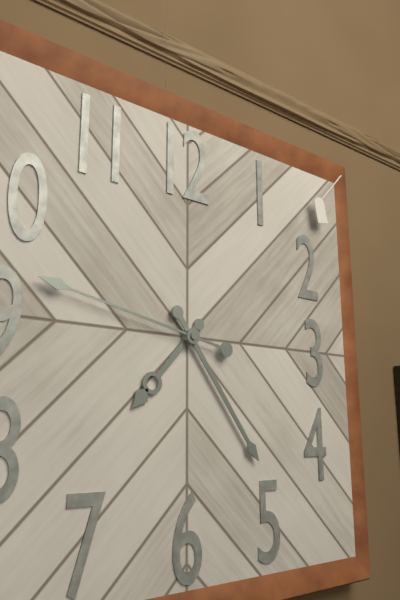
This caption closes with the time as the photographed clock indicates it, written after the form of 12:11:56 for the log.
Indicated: 7:24:47
